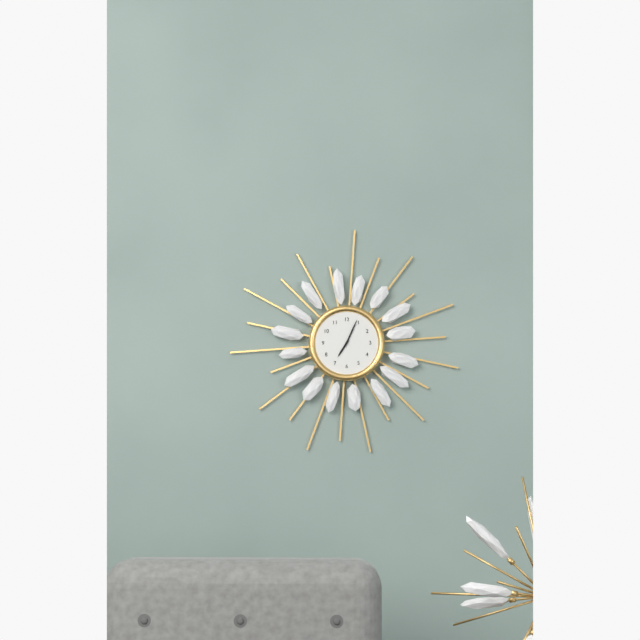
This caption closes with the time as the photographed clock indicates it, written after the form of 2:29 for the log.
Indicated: 7:04
